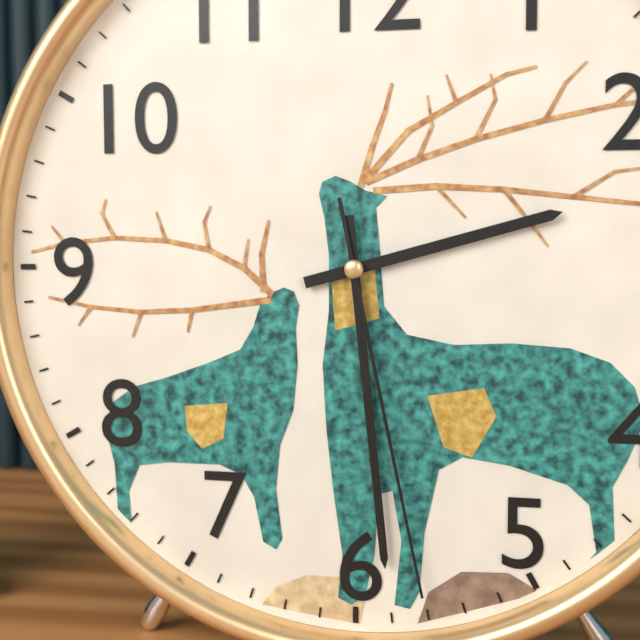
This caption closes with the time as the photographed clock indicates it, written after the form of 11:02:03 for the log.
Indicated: 2:29:28
